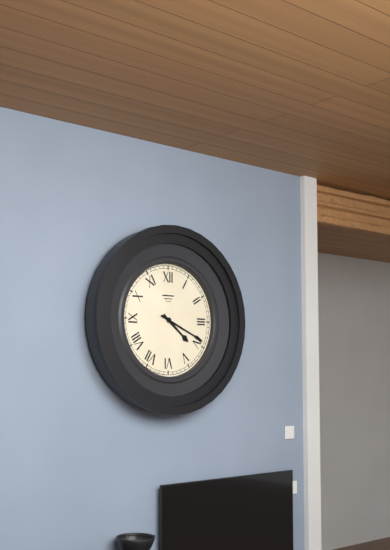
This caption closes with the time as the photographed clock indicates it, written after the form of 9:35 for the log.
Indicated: 4:19
